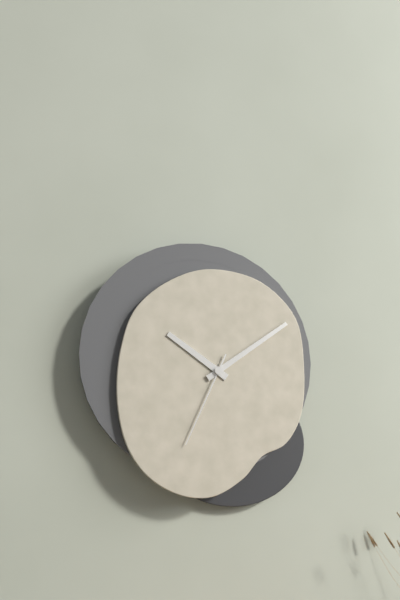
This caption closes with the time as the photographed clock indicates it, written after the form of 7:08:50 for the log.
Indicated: 10:09:34
